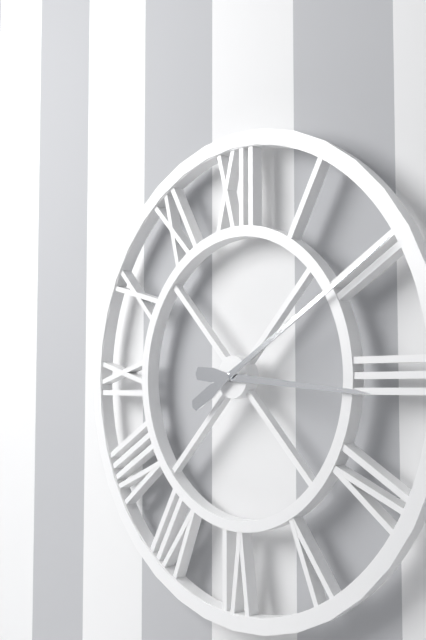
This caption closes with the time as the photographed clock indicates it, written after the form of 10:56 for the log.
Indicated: 3:10
